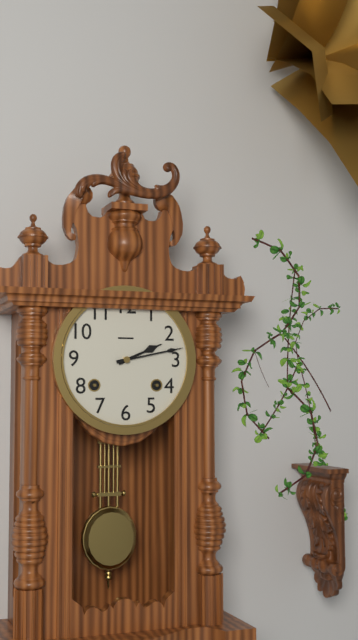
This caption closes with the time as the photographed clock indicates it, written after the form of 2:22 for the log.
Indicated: 2:13
